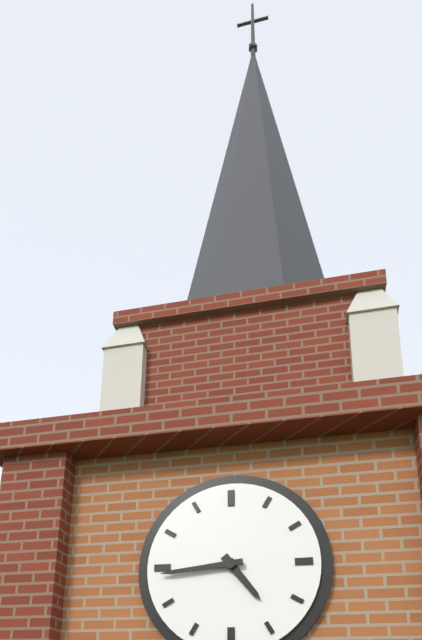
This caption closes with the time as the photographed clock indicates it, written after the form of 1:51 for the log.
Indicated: 4:44
